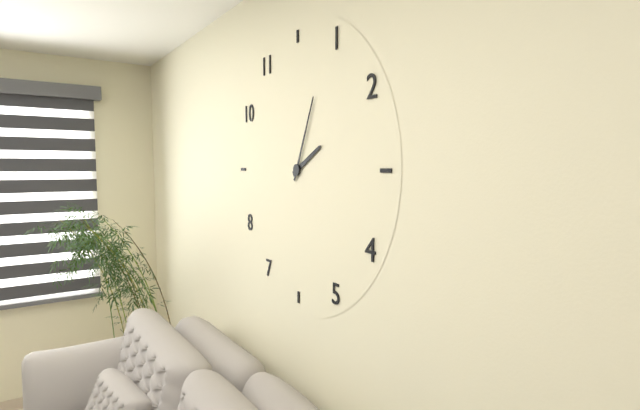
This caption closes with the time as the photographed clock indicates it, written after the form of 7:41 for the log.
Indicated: 2:04
